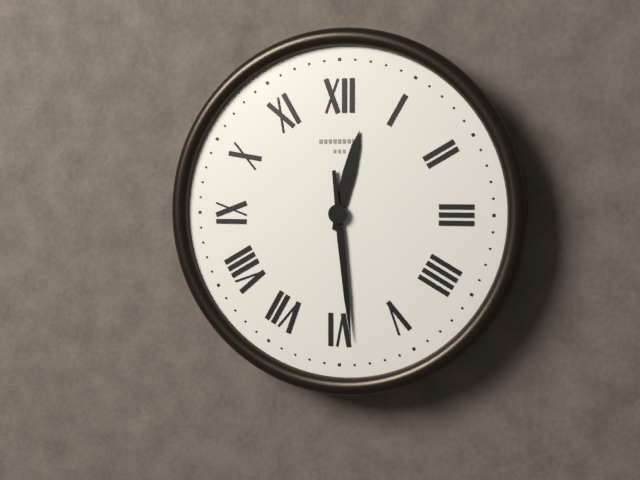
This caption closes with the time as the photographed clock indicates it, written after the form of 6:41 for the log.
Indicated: 12:29
